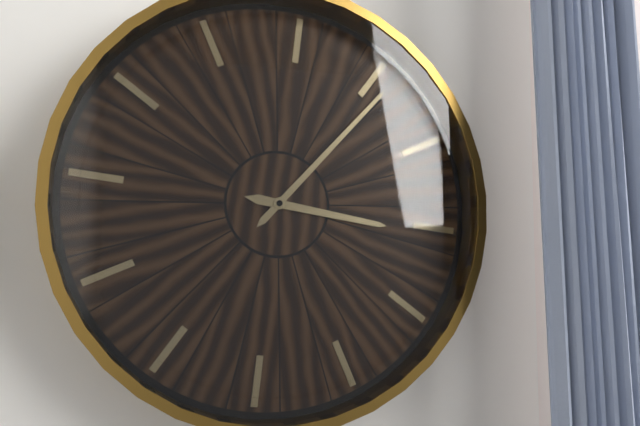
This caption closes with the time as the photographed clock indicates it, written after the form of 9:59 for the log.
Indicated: 3:06
